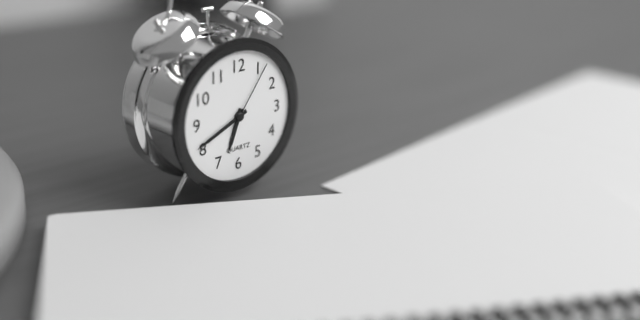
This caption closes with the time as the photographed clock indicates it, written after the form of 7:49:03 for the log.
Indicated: 6:41:06
